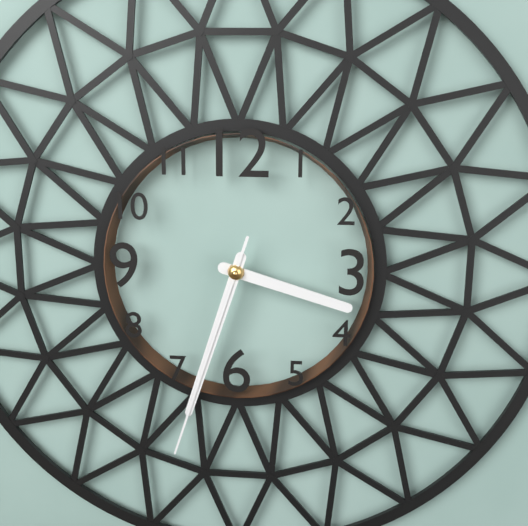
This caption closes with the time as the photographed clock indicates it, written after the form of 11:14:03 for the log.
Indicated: 3:33:33
